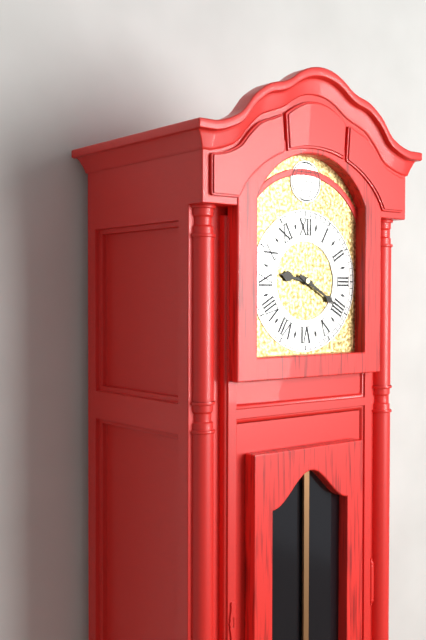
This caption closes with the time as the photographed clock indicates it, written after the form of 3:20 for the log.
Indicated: 9:20
